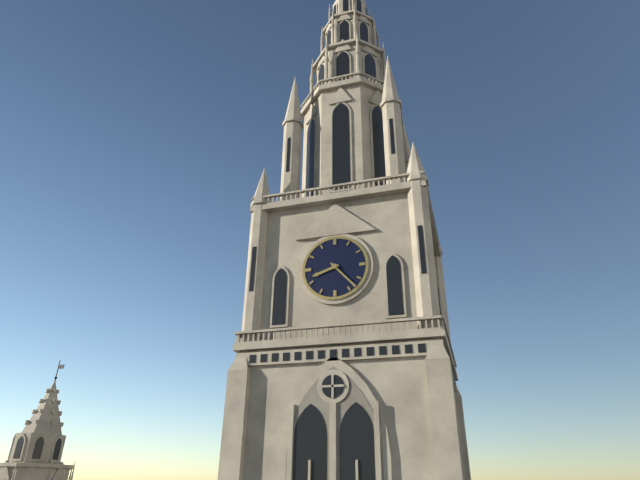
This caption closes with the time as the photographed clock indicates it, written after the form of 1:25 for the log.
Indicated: 8:23
